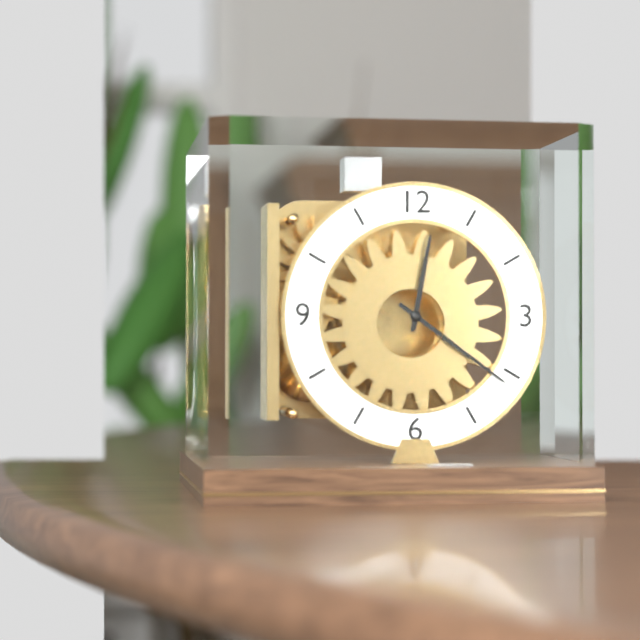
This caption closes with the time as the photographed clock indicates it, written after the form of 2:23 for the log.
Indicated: 12:21
